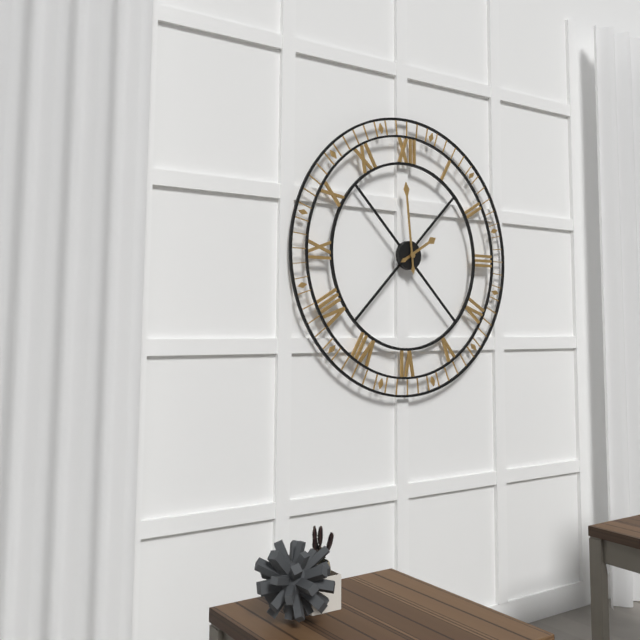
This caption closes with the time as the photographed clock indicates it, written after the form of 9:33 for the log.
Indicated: 1:59
